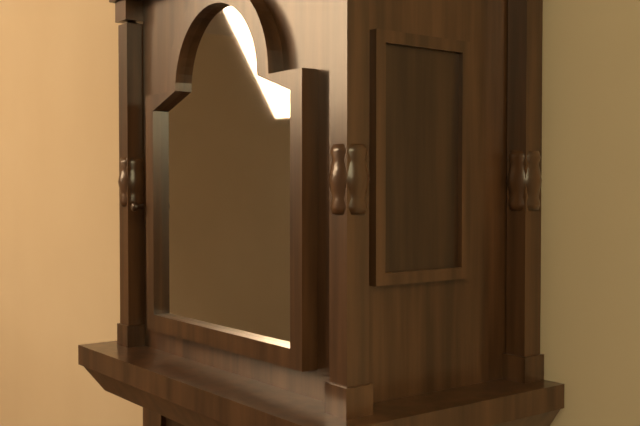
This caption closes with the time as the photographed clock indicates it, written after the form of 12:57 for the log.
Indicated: 3:08
